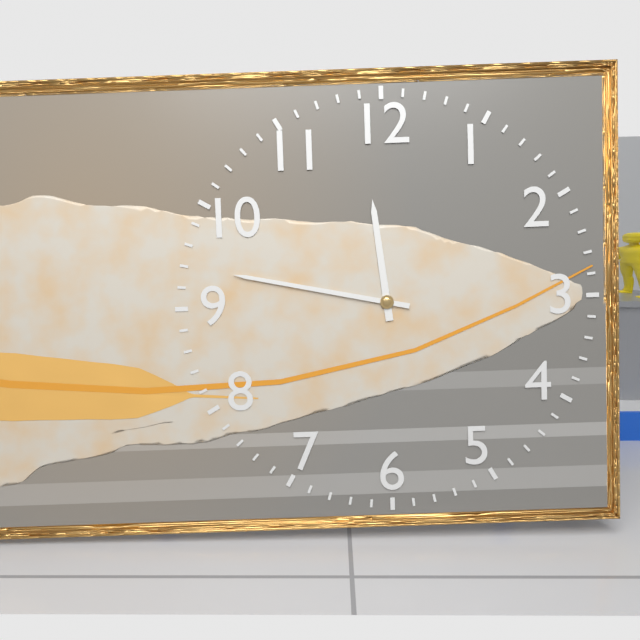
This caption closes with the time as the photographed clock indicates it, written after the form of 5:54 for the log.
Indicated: 11:47
